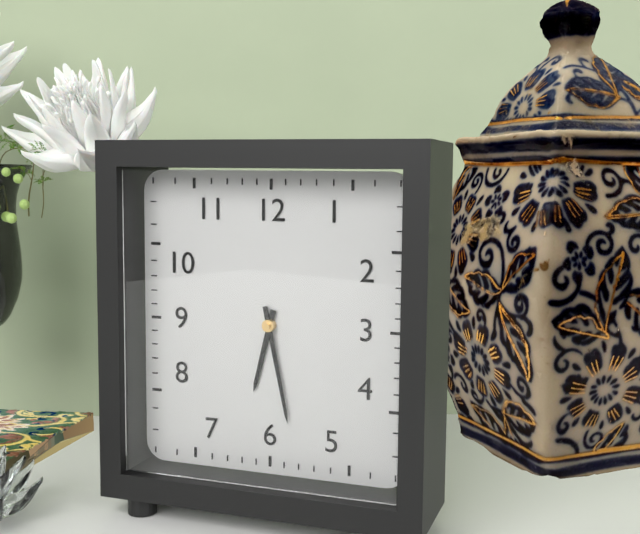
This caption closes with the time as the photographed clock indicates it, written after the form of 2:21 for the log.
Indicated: 6:28
